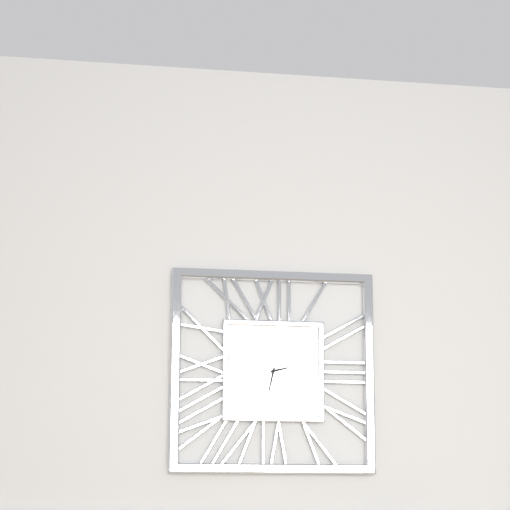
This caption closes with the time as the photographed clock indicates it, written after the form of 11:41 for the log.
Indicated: 2:32
